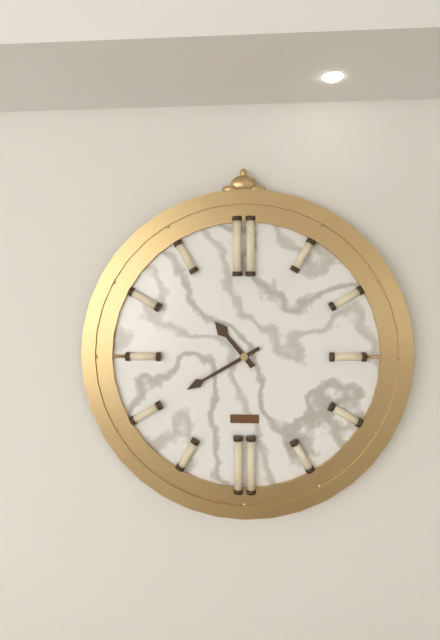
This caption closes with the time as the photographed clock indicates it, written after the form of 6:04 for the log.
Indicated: 10:40
